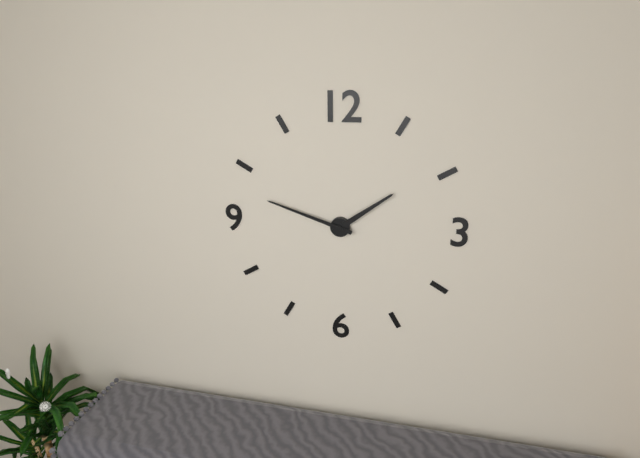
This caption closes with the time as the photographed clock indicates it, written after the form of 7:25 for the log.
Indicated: 1:48
